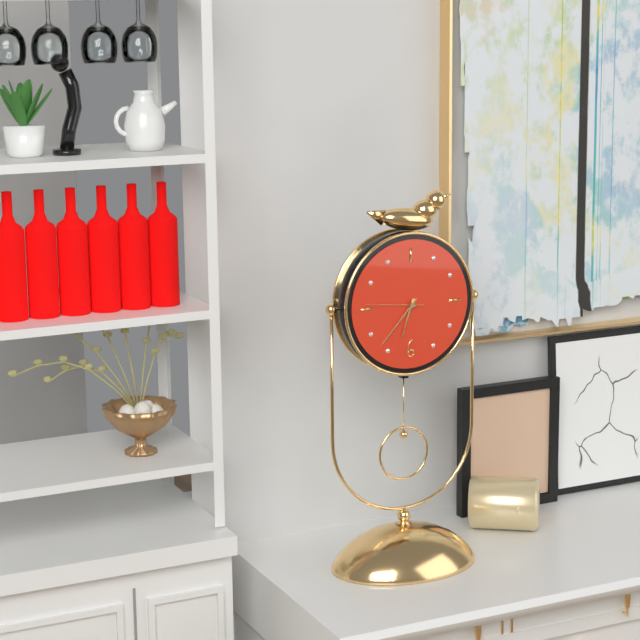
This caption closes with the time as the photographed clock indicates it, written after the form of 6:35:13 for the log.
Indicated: 6:37:46
